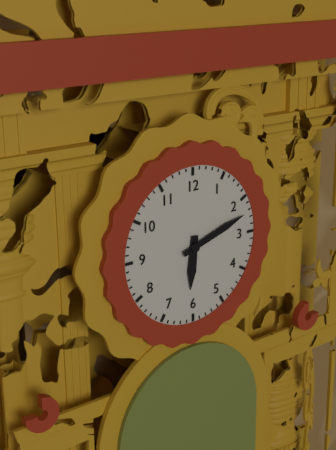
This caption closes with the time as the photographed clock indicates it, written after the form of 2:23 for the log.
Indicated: 6:12
